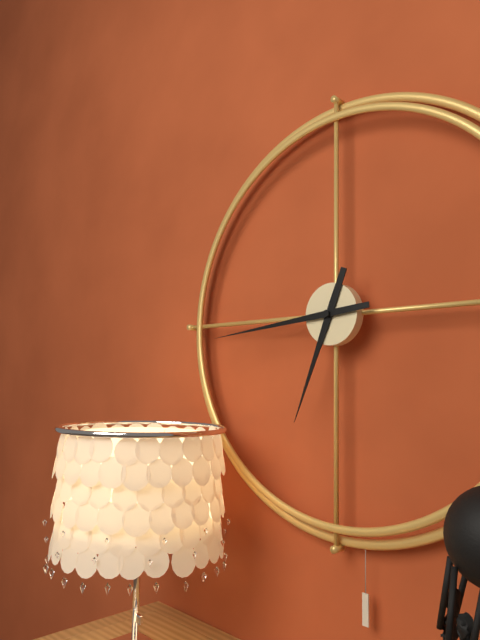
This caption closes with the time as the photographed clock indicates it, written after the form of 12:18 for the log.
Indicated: 6:44
